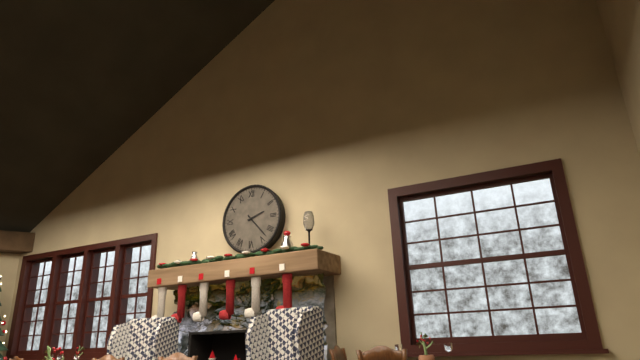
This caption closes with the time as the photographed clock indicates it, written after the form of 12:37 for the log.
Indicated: 2:23
